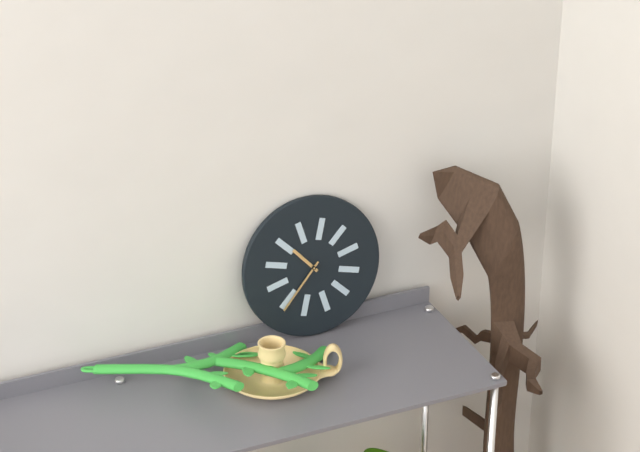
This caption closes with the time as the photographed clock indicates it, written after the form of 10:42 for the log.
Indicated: 10:37
